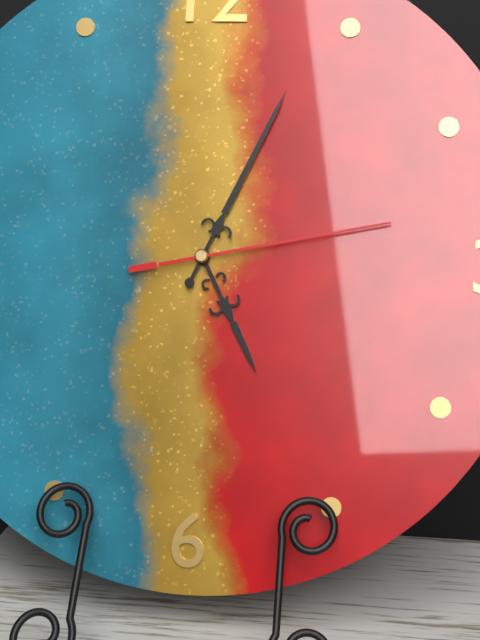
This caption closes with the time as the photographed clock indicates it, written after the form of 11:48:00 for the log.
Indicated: 5:04:13
